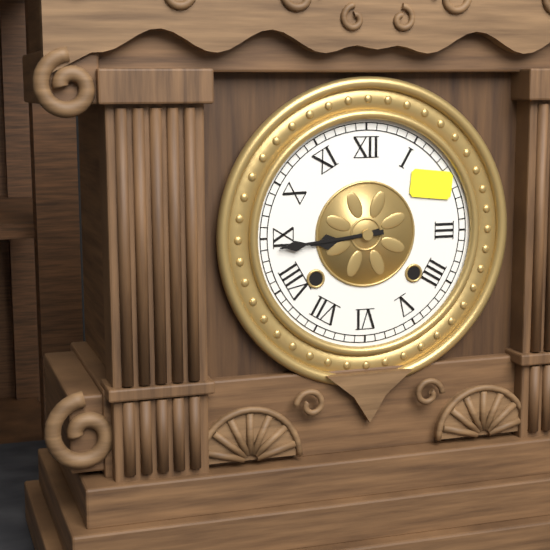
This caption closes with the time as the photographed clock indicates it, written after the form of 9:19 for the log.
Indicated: 8:44
